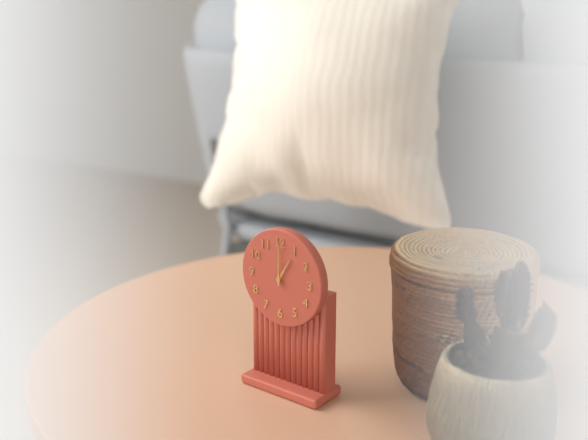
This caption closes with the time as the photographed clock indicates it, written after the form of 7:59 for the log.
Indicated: 1:00
